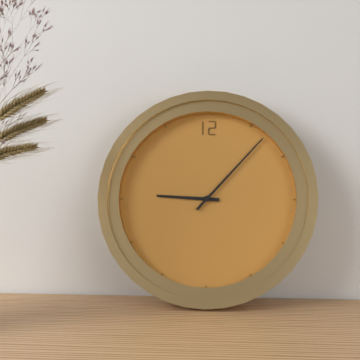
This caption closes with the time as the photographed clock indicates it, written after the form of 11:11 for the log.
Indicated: 9:07
